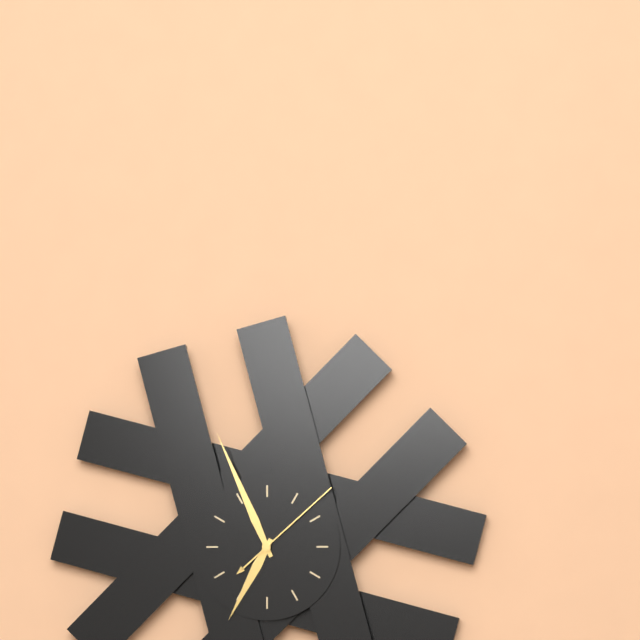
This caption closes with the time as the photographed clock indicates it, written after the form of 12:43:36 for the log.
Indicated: 6:56:08
